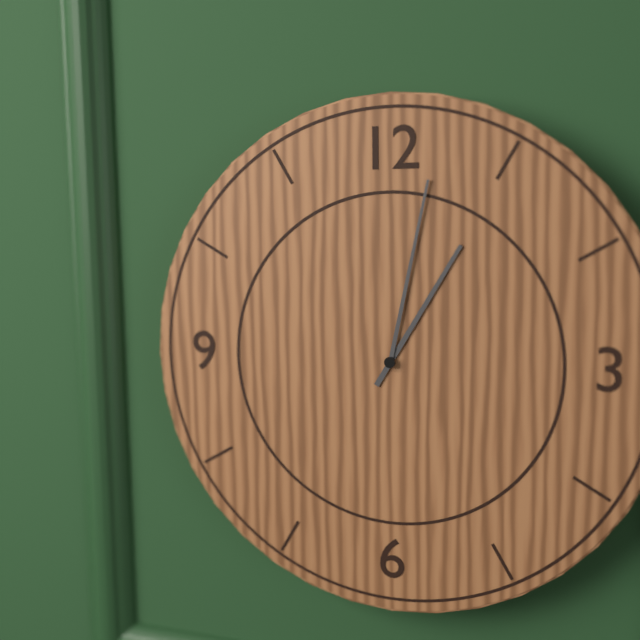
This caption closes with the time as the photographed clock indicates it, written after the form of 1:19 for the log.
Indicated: 1:02
